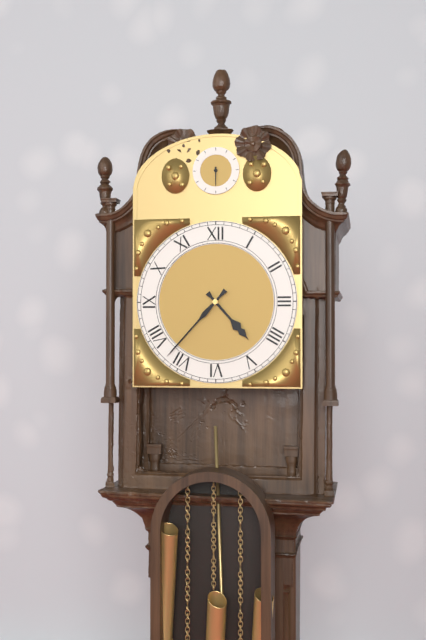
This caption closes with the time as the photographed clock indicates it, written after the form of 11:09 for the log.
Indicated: 4:37
